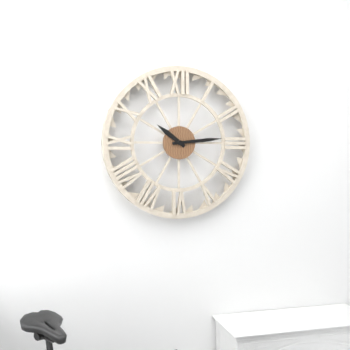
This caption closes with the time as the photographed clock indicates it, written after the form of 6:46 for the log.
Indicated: 10:14
